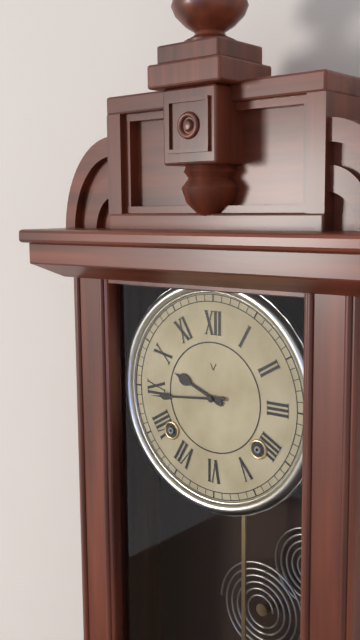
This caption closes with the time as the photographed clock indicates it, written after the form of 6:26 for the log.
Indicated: 9:44
